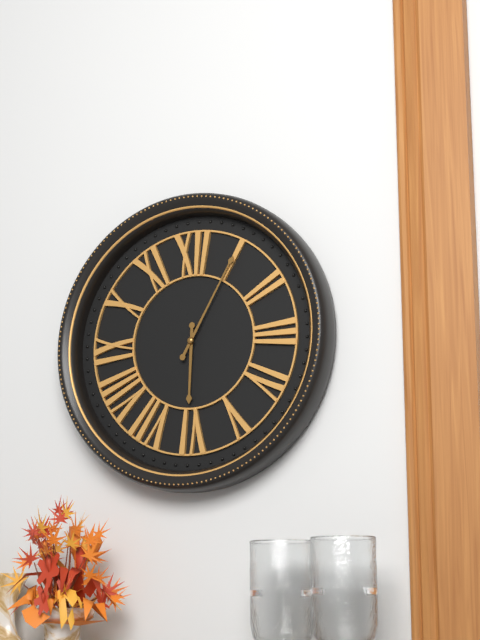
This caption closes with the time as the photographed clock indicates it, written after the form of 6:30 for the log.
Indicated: 6:05
